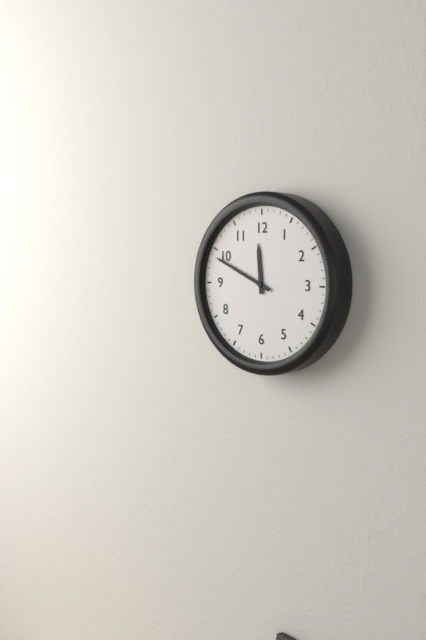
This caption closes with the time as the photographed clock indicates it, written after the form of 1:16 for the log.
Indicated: 11:49
